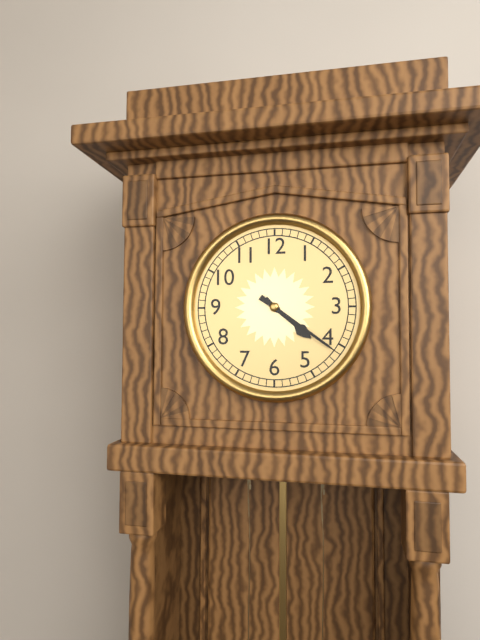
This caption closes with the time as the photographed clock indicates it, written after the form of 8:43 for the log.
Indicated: 4:21
